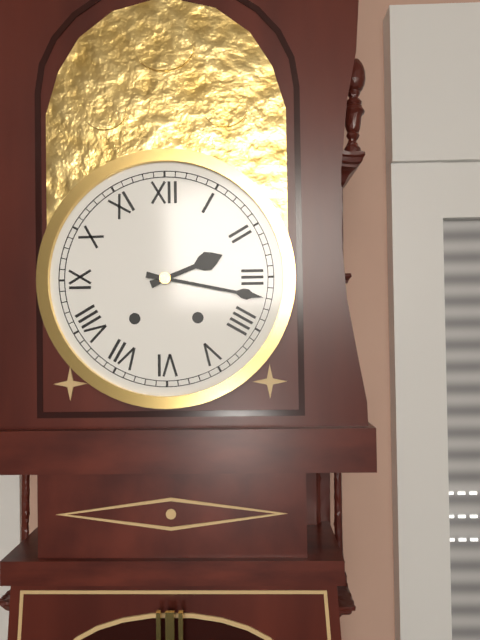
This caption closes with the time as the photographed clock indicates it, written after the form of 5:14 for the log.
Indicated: 2:17
